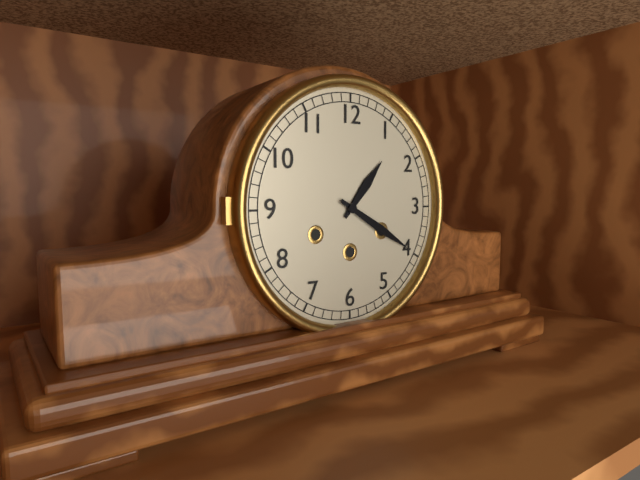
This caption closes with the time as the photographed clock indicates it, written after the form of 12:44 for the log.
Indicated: 1:20
